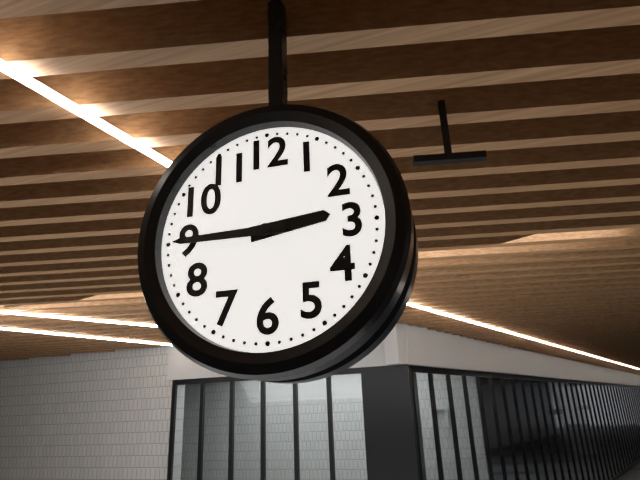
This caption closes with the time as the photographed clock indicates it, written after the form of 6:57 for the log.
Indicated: 2:45
